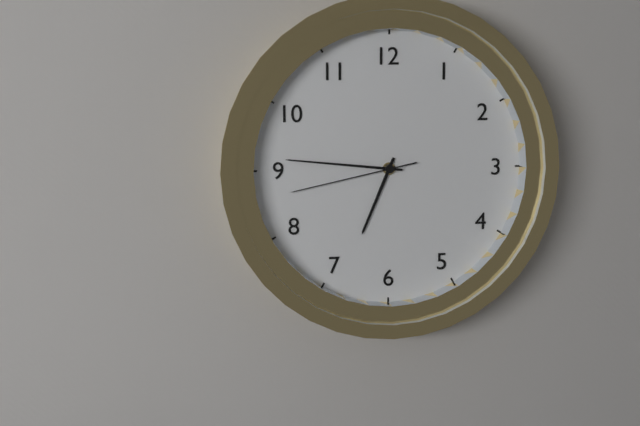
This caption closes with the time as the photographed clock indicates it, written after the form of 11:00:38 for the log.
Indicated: 6:46:43
